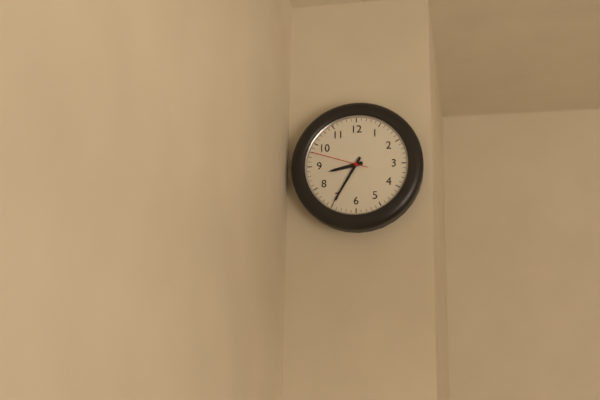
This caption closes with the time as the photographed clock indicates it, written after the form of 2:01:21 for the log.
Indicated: 8:35:48
